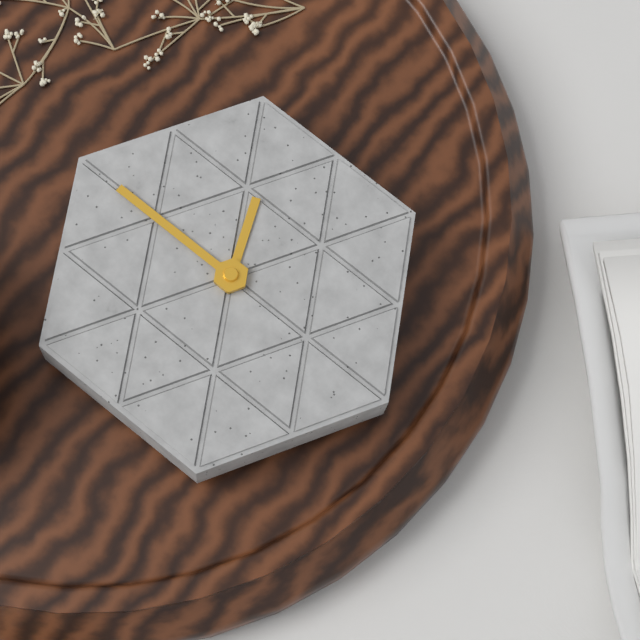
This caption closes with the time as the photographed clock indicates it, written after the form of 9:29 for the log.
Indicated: 5:15
